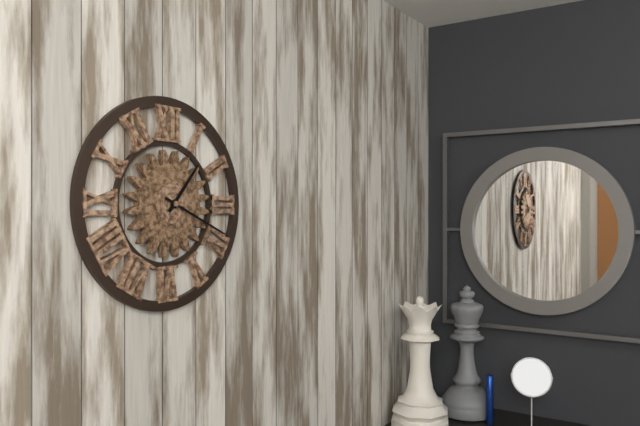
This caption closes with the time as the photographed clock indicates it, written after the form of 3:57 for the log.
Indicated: 1:19
